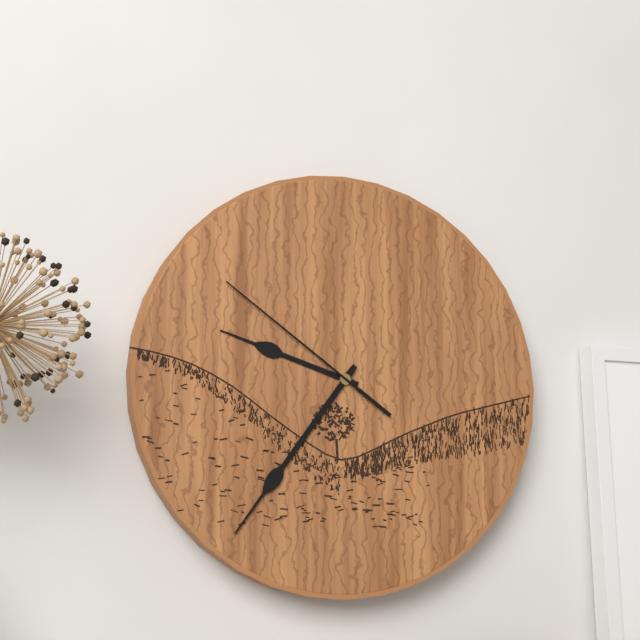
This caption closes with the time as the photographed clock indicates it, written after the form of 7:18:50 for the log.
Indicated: 9:36:51
